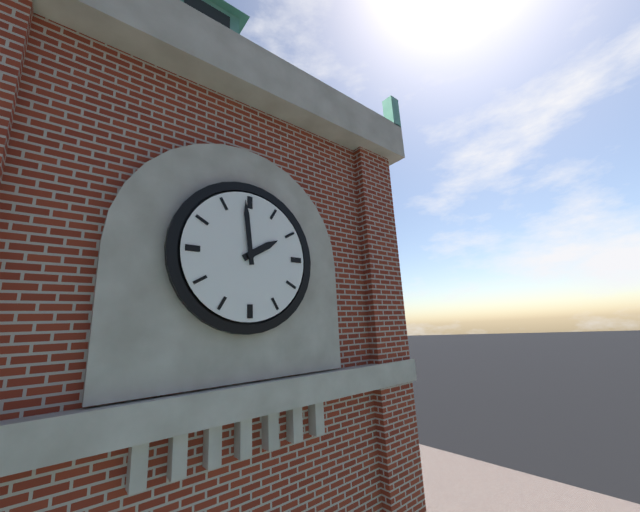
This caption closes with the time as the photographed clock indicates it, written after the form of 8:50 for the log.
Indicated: 1:59
